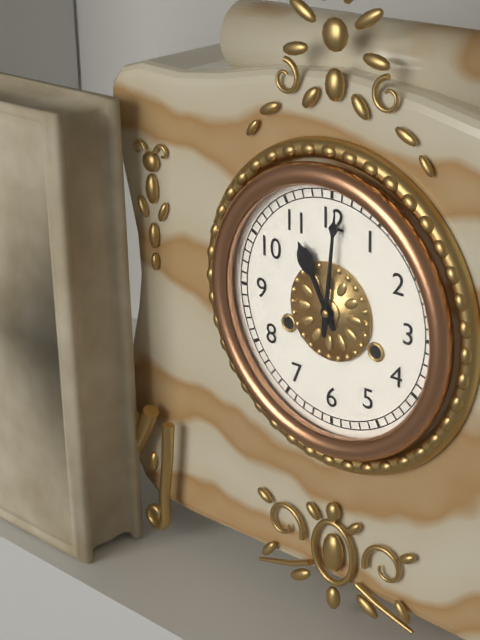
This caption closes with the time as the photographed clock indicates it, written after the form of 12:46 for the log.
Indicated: 11:01
